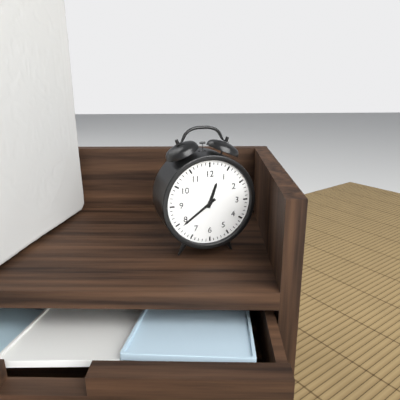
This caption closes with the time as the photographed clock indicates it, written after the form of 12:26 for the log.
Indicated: 12:39
